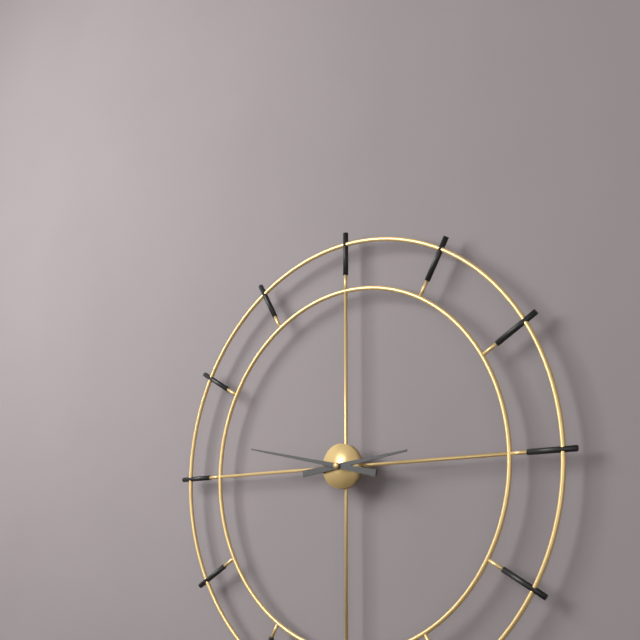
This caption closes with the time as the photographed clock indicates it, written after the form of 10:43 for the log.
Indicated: 2:47
